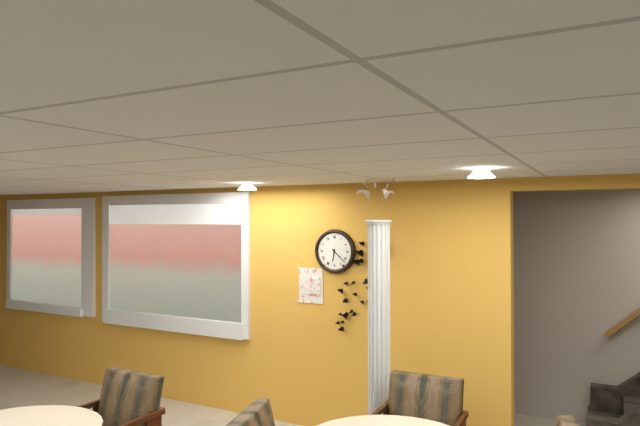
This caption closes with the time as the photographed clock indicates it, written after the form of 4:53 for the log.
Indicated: 6:22
